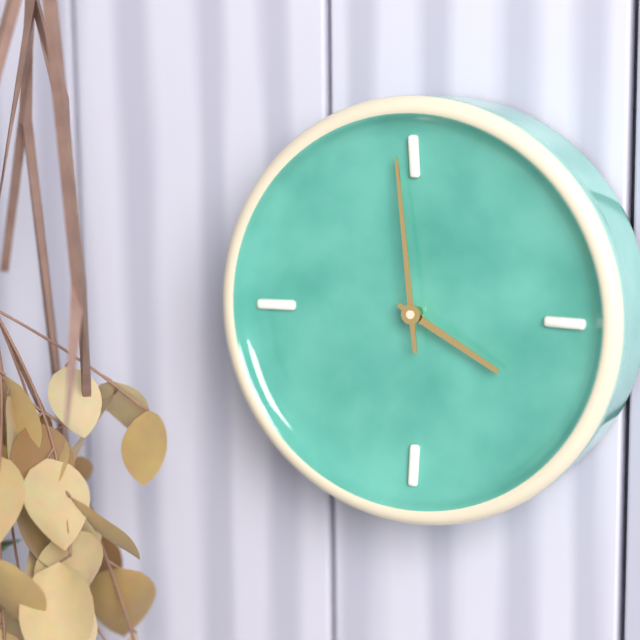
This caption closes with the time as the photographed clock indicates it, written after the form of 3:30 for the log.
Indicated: 3:59
